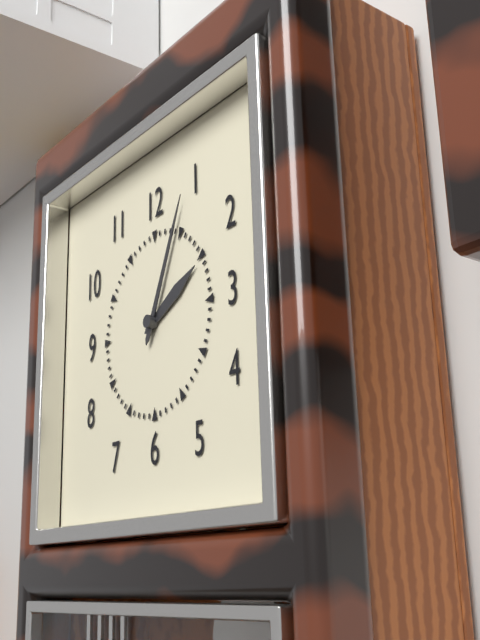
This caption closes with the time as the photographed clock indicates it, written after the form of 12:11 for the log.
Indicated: 2:04
